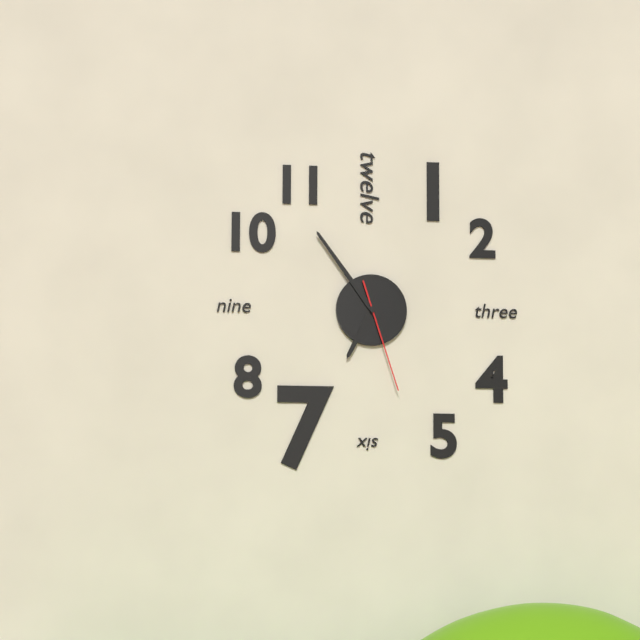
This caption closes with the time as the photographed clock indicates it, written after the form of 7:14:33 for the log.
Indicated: 6:54:27
